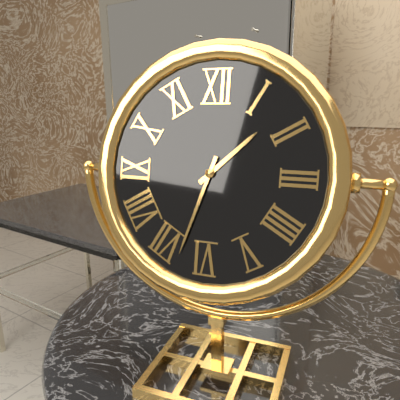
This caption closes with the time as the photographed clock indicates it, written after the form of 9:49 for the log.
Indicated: 1:33
